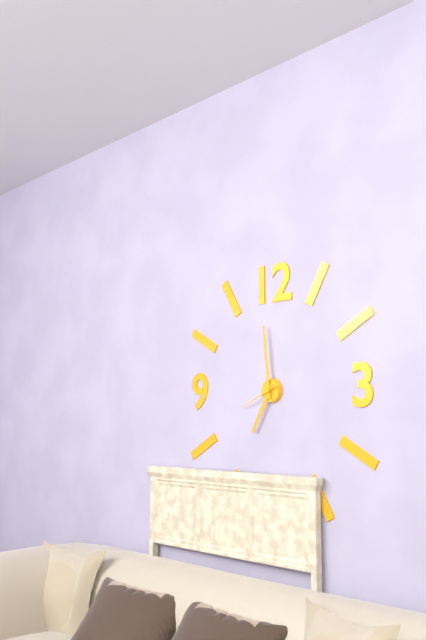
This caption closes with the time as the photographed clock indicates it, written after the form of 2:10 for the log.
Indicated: 6:59
